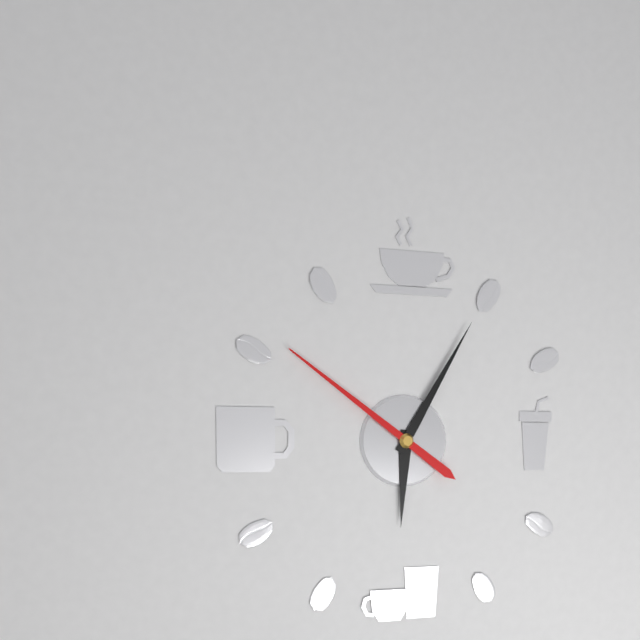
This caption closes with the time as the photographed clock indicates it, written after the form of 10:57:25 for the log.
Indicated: 6:05:51
